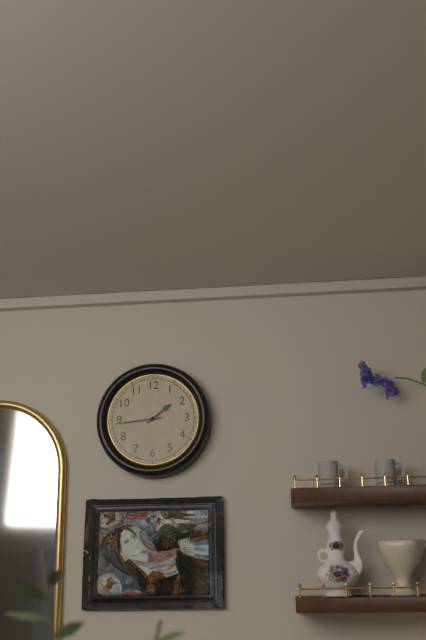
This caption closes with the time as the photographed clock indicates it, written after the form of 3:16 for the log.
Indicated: 1:44
